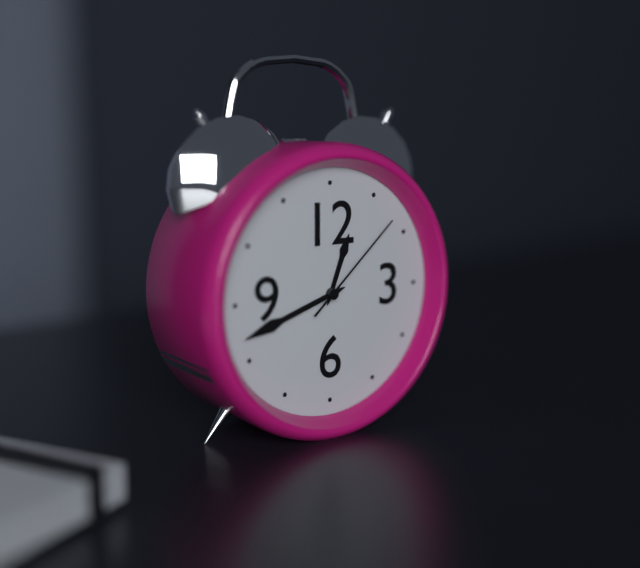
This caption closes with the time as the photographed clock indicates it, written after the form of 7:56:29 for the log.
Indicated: 12:42:08
